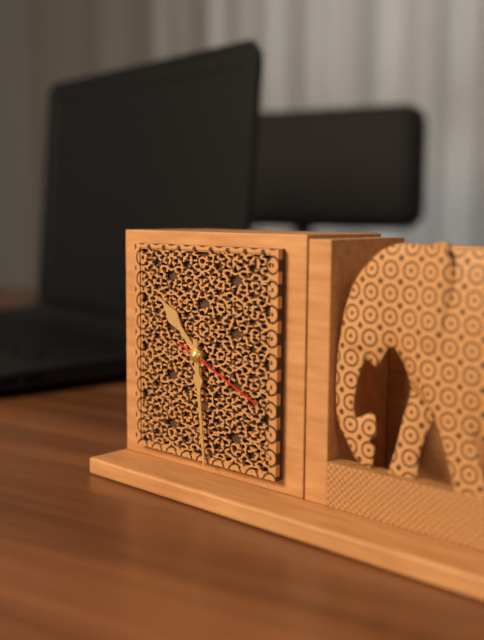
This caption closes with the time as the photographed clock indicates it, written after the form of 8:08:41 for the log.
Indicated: 10:29:19
